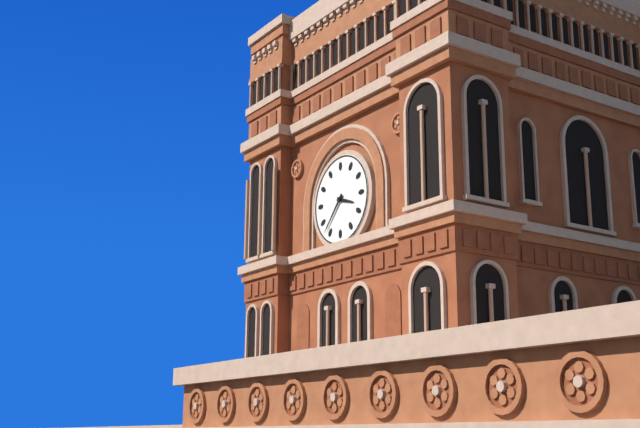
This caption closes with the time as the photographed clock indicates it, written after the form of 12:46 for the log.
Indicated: 3:37
